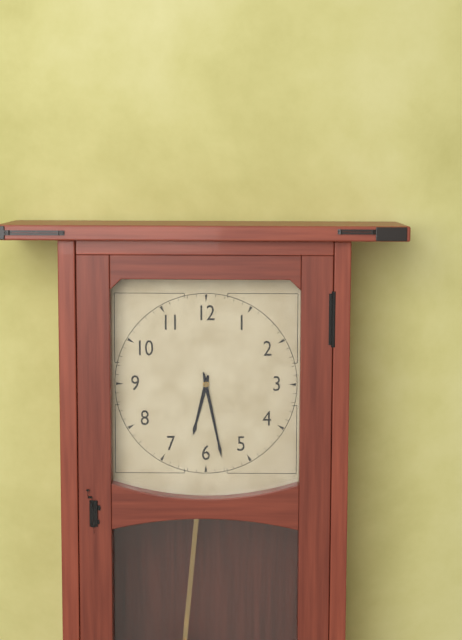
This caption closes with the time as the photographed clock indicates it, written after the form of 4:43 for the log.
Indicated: 6:28
